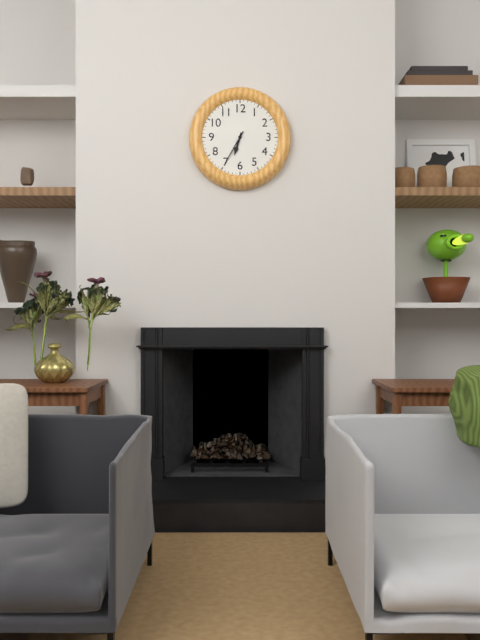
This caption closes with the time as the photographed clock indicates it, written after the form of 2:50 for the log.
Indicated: 6:35
